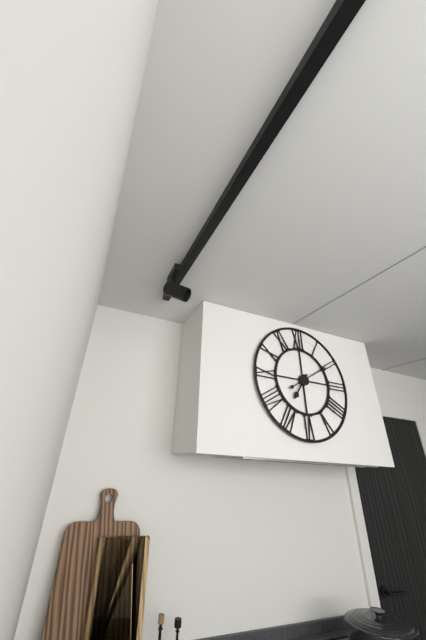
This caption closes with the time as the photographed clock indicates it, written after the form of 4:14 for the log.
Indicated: 7:10
